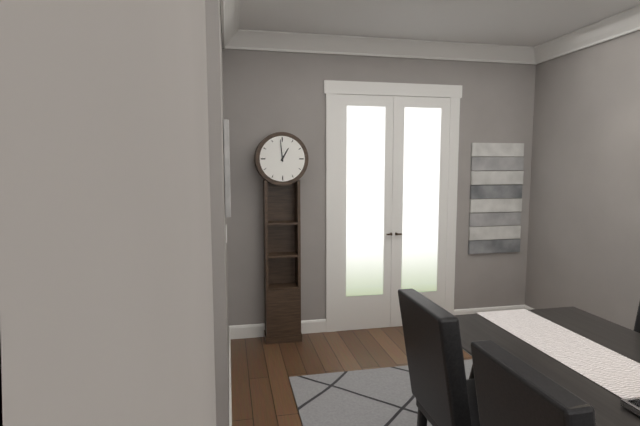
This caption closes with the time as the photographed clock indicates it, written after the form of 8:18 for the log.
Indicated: 12:59
